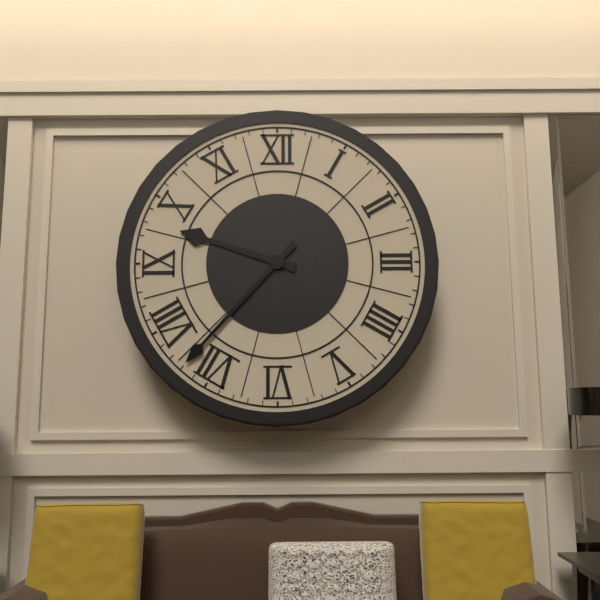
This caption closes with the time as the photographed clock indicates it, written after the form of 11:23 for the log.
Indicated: 9:37
